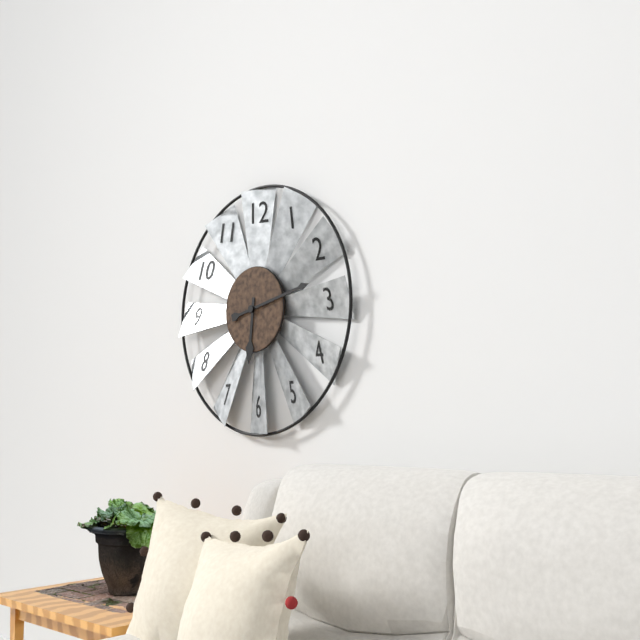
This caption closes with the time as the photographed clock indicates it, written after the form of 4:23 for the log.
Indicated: 6:13
